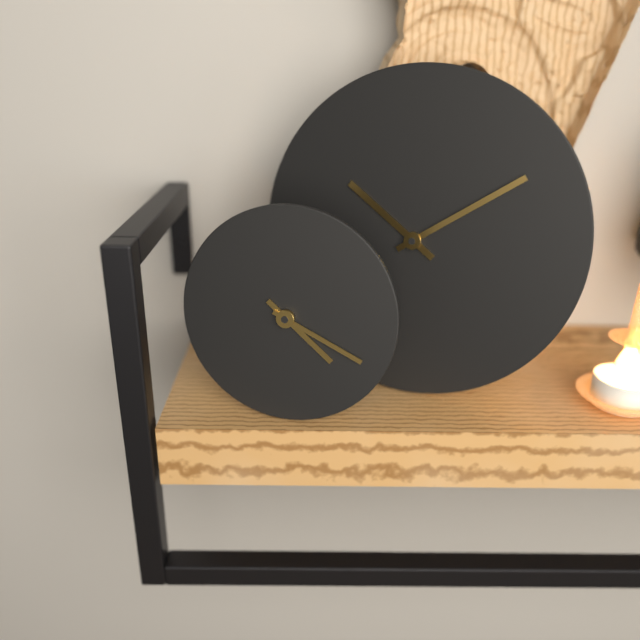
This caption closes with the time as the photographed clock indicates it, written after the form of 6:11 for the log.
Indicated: 4:19
